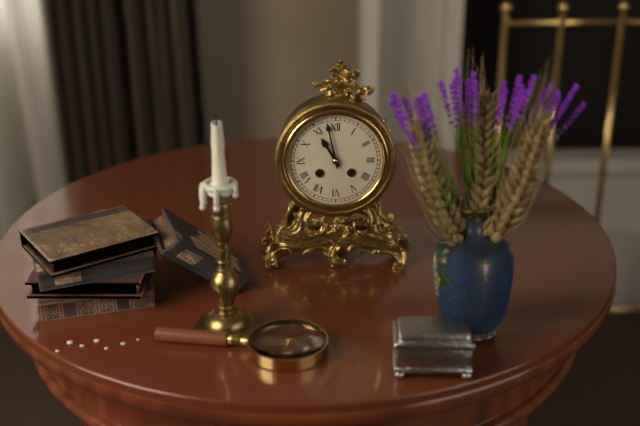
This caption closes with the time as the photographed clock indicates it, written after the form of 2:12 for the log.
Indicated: 10:58
